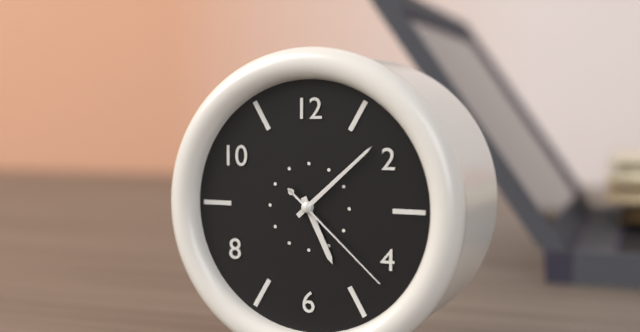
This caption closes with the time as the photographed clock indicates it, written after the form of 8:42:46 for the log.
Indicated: 5:08:22
